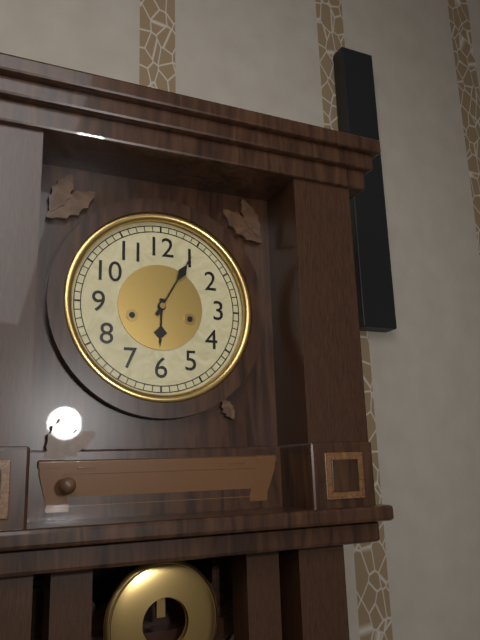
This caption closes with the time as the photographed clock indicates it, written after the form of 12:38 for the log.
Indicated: 6:05
